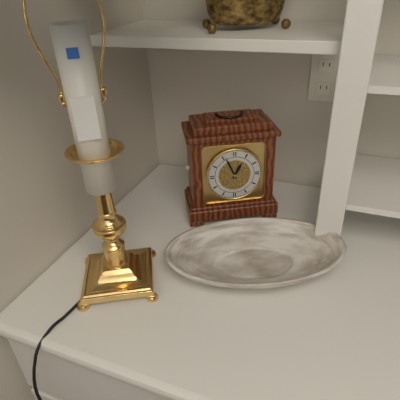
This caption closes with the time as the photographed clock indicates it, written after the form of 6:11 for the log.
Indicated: 12:56
